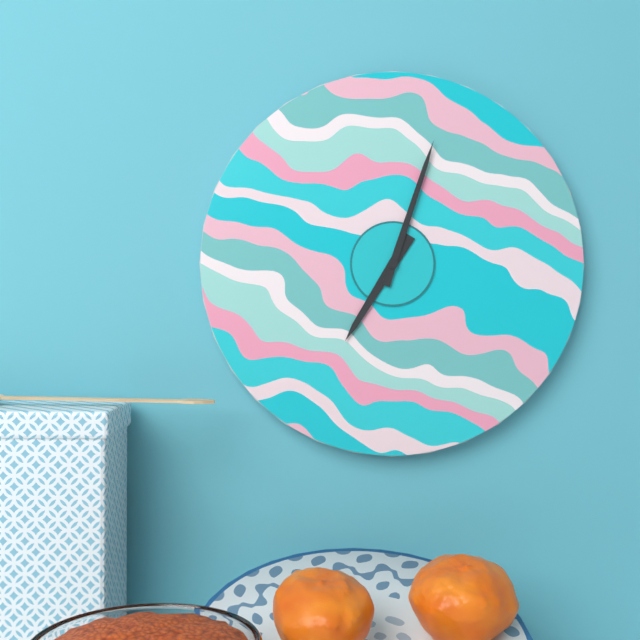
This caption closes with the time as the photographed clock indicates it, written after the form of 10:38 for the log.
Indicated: 7:03
